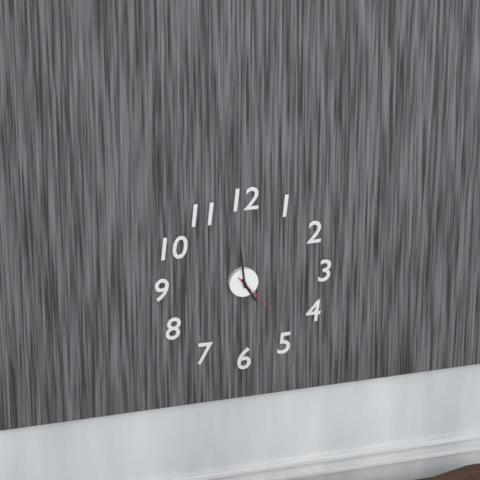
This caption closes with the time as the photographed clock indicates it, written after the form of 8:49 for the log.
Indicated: 4:59
